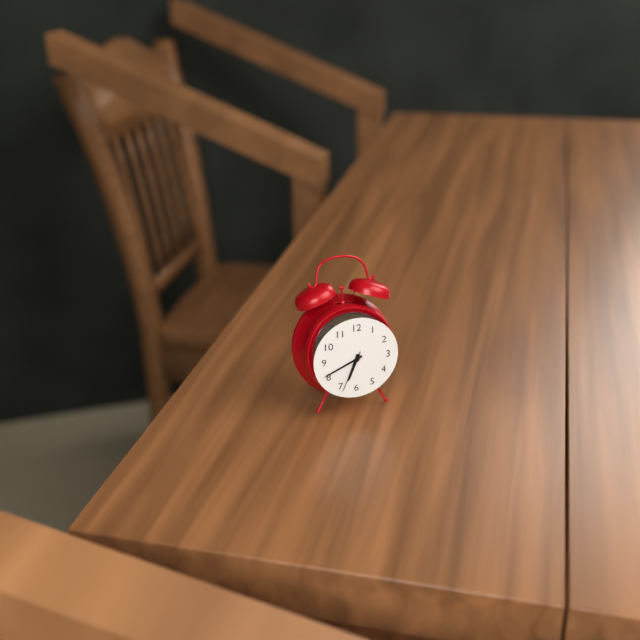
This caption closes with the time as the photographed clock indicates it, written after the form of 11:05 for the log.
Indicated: 6:41
